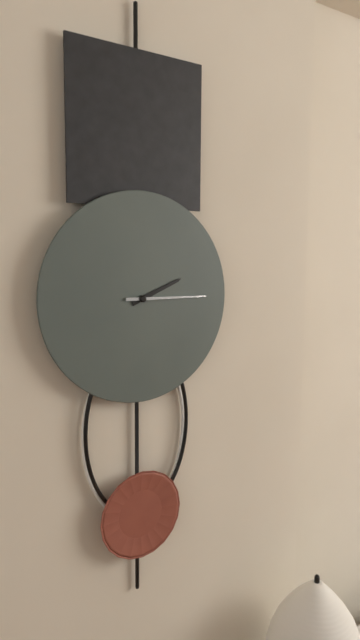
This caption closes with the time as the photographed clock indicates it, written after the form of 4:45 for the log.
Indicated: 2:15
